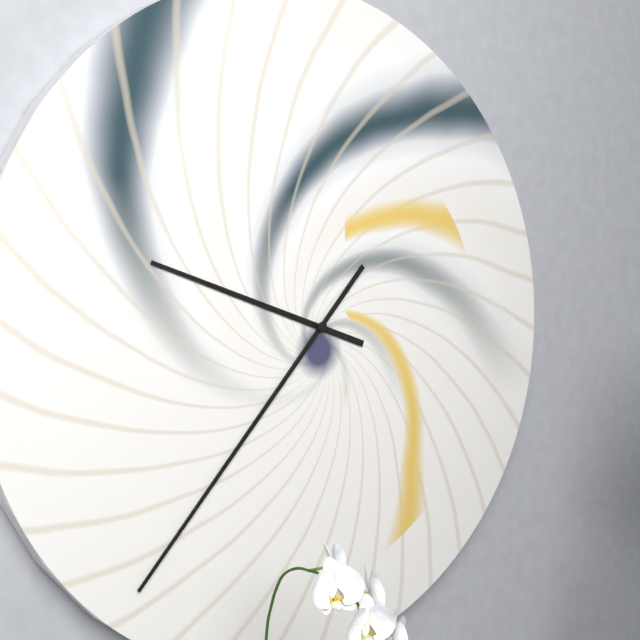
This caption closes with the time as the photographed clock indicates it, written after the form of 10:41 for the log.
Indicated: 9:37
